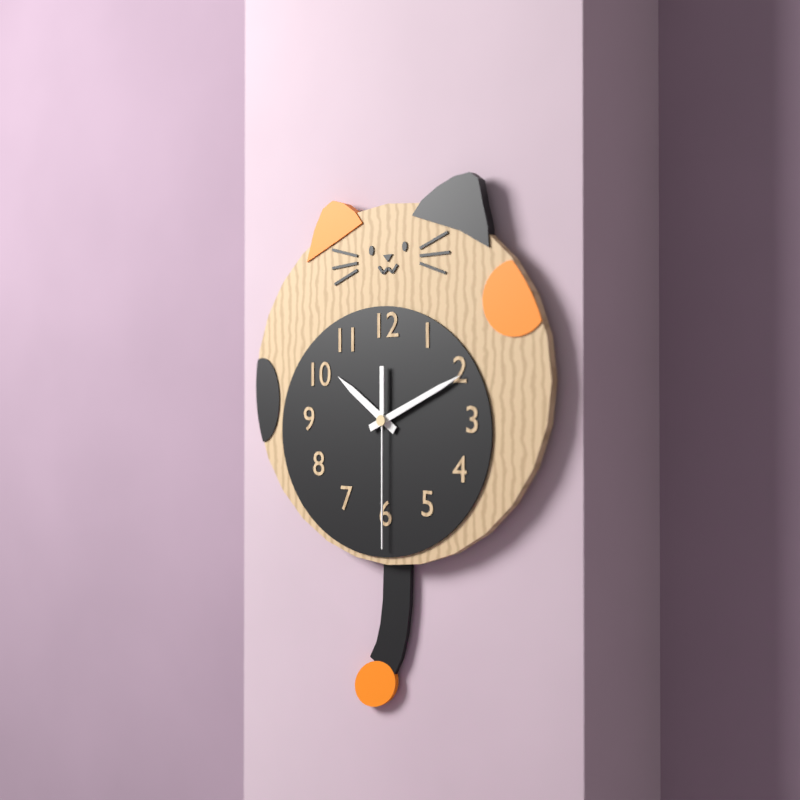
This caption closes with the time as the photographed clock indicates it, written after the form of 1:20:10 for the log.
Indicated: 10:11:30
